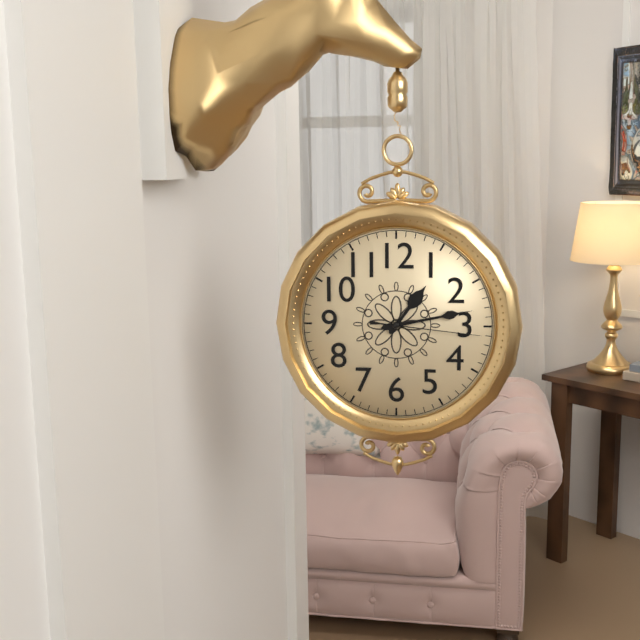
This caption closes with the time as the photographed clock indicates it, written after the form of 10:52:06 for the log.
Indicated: 1:13:16
